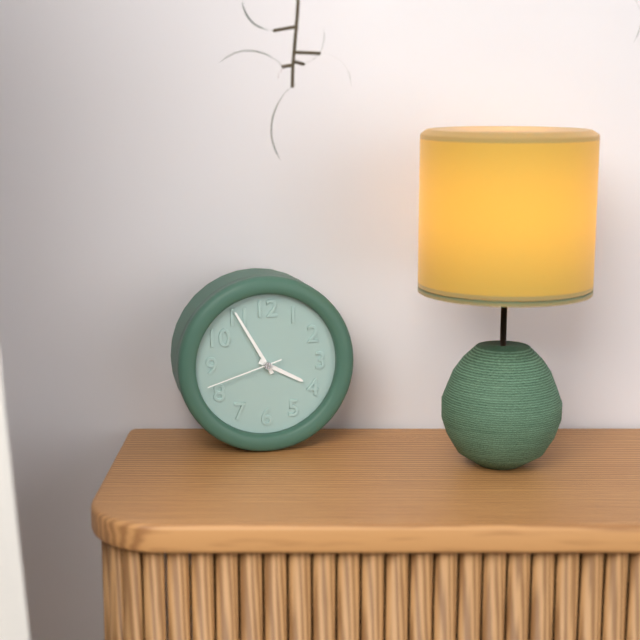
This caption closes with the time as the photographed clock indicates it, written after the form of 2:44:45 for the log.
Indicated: 3:55:42
